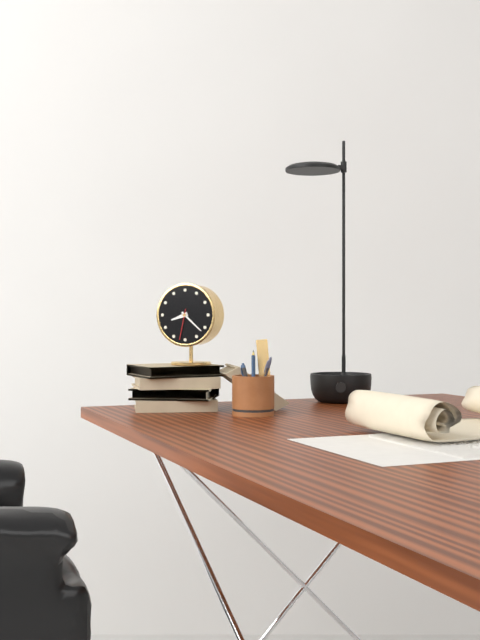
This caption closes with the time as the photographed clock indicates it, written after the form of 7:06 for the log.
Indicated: 8:22
